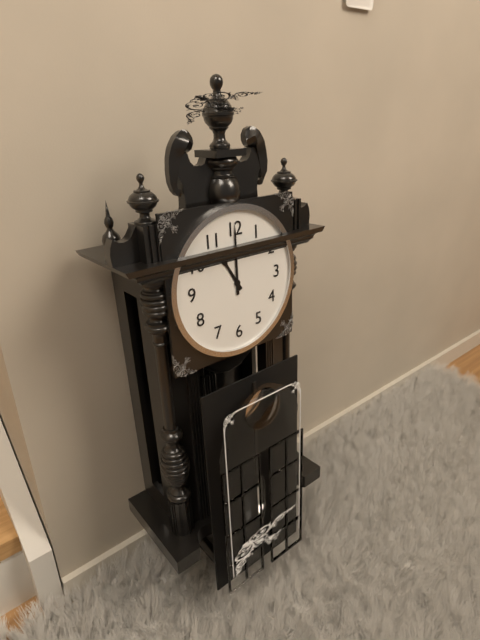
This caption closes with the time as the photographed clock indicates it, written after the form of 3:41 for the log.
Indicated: 11:00
